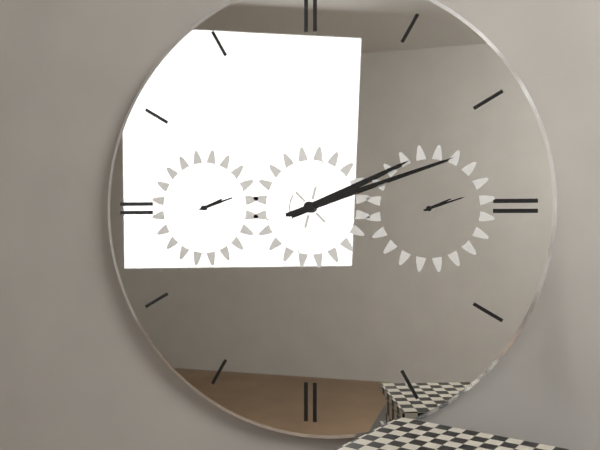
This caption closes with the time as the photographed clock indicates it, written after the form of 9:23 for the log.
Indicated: 2:12
